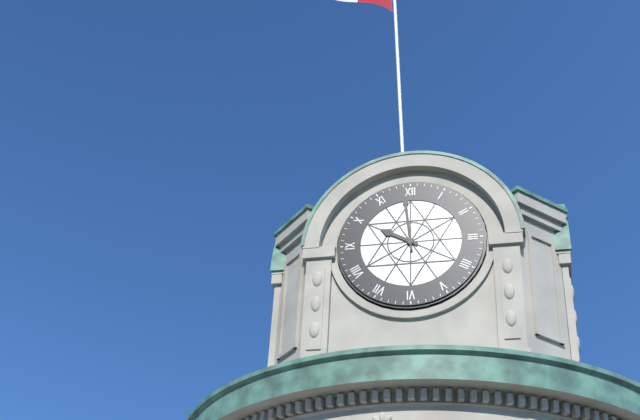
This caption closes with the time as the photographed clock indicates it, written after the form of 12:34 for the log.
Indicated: 9:59
